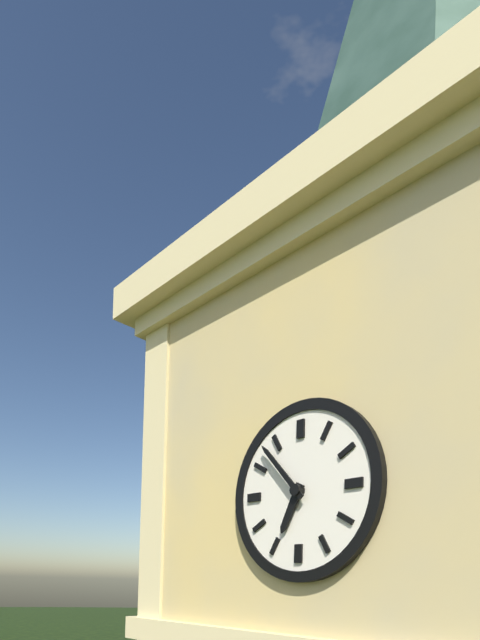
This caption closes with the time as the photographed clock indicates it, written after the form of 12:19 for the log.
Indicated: 6:53
